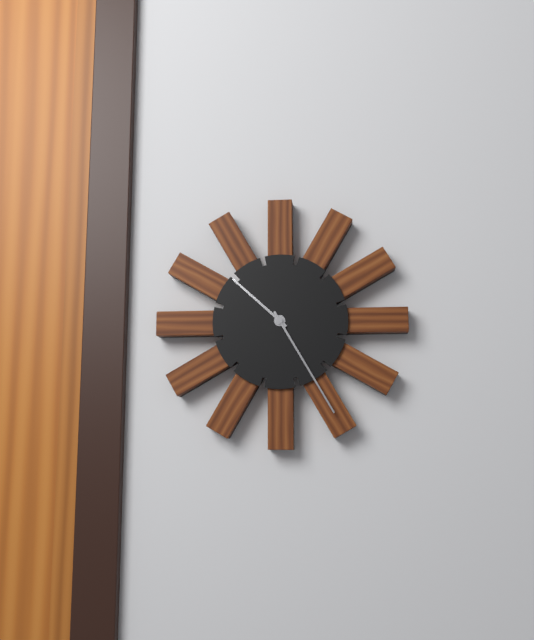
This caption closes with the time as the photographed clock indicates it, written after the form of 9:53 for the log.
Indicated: 10:25
